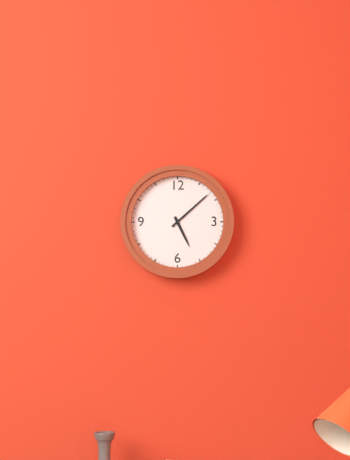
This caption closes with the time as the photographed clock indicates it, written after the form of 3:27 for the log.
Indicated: 5:08
